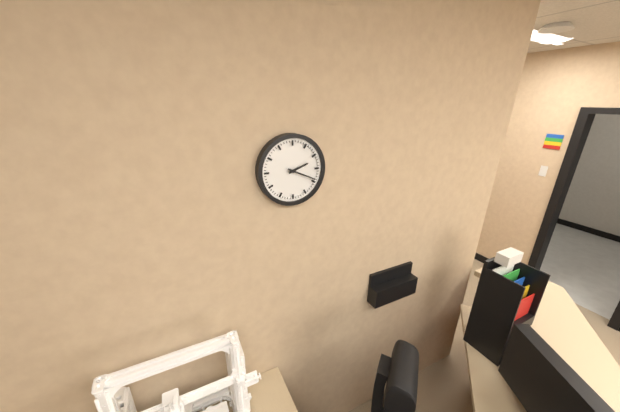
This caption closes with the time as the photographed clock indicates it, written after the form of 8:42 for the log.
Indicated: 2:19
